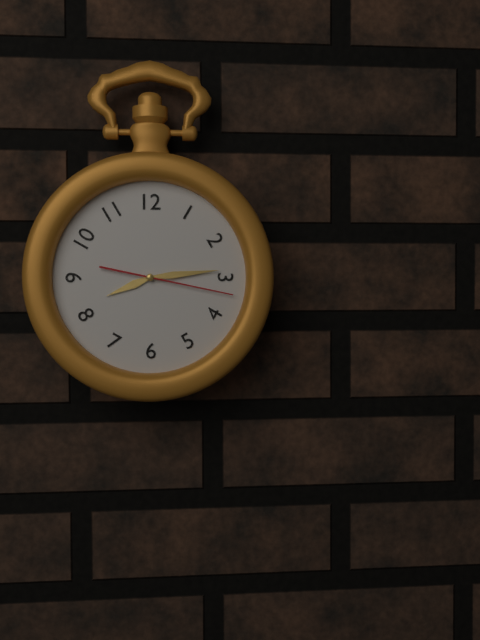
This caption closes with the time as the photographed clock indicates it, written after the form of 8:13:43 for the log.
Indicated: 8:14:17
